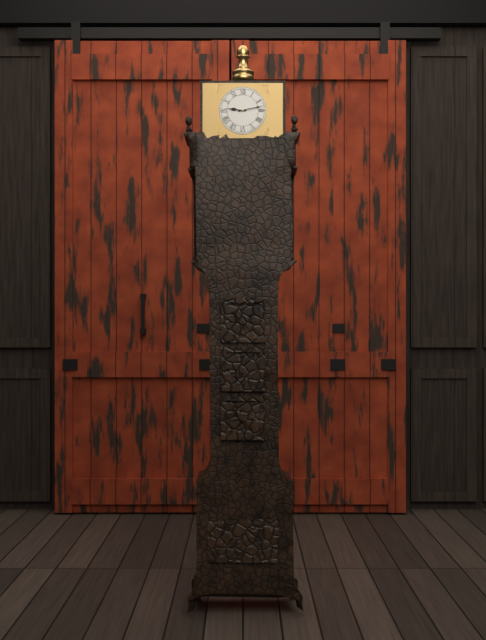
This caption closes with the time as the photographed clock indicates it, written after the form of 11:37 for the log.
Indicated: 9:13
